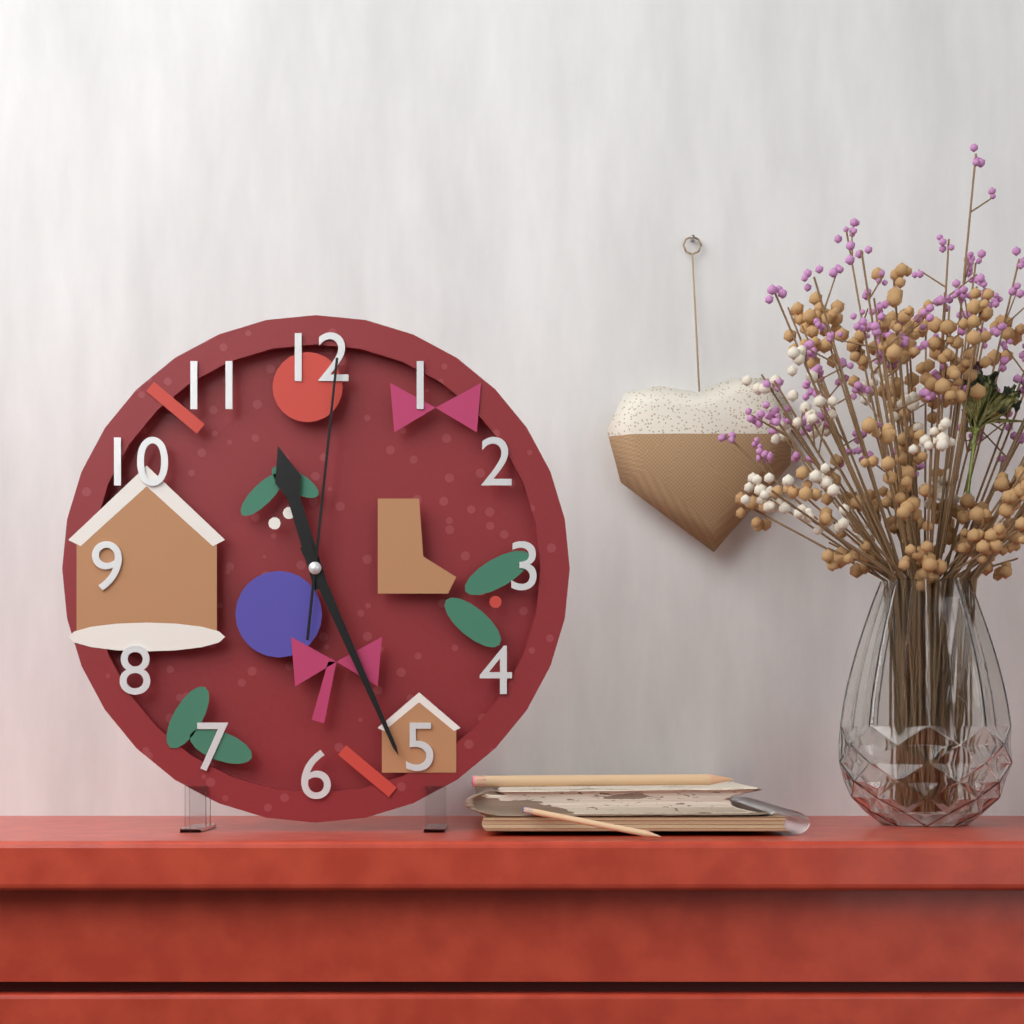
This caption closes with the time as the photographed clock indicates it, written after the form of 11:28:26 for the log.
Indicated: 11:26:01
